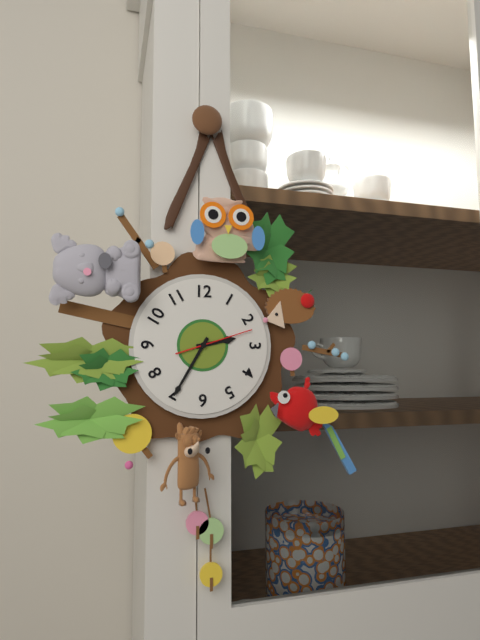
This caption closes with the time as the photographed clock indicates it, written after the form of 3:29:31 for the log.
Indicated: 2:35:12
